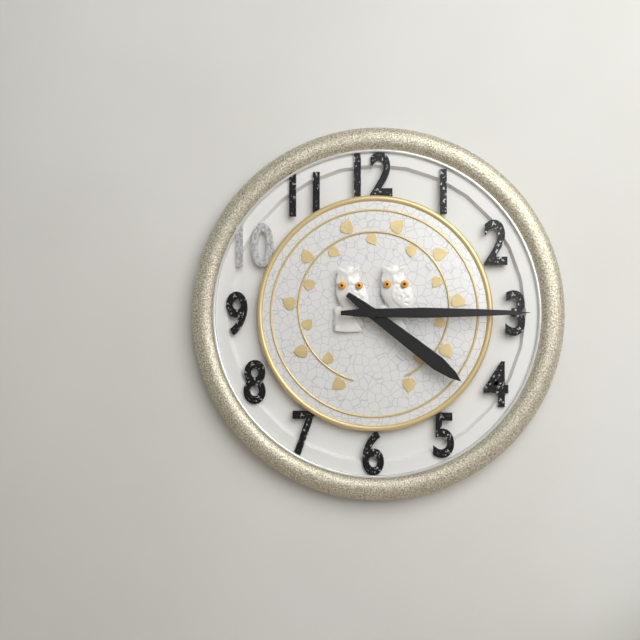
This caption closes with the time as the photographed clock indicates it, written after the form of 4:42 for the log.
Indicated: 4:15
